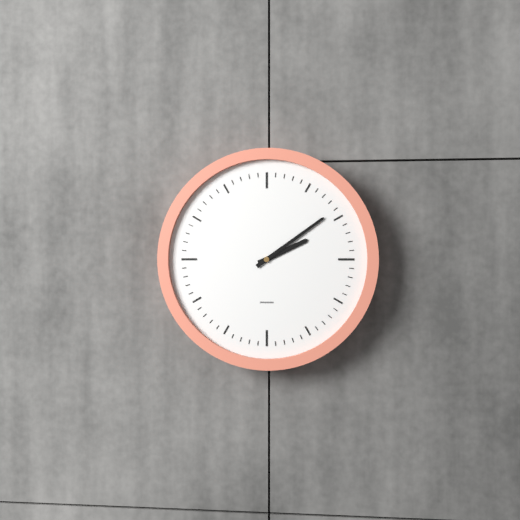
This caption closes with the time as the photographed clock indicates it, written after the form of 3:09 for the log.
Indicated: 2:09
